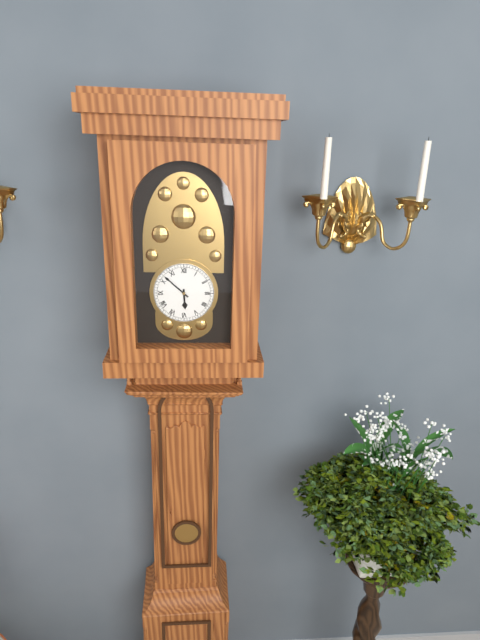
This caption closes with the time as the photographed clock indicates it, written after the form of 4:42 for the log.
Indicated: 5:52
